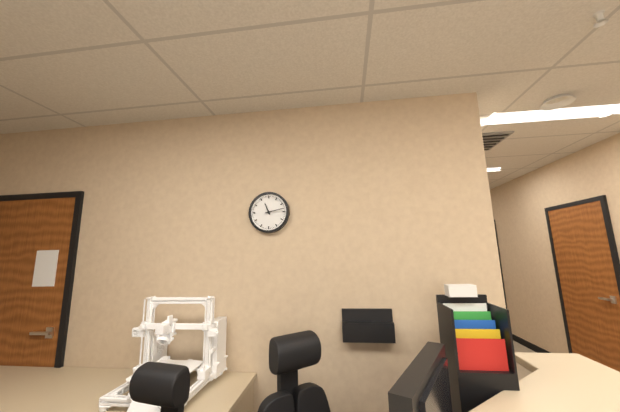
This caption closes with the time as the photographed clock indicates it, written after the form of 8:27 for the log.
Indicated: 11:13
